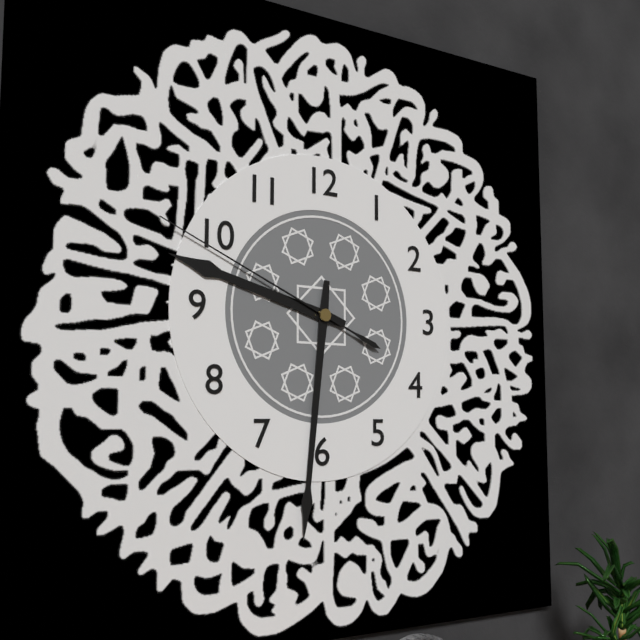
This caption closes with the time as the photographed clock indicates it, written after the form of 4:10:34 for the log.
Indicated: 9:31:49
